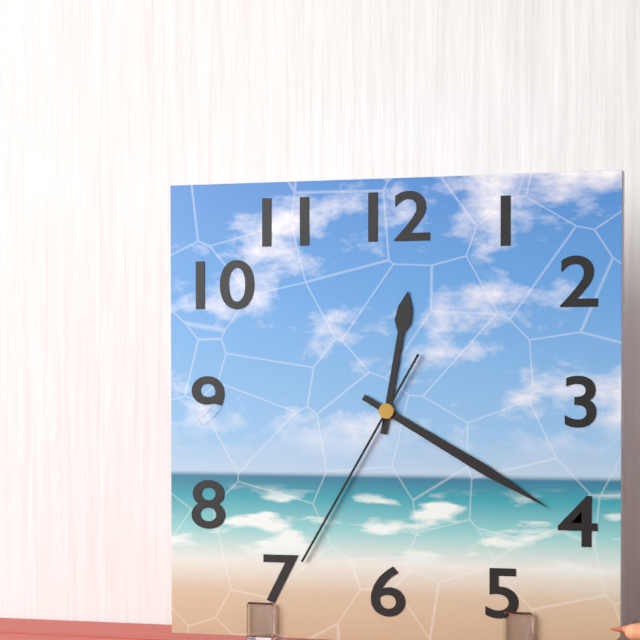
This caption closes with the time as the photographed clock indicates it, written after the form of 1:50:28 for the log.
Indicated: 12:20:35
